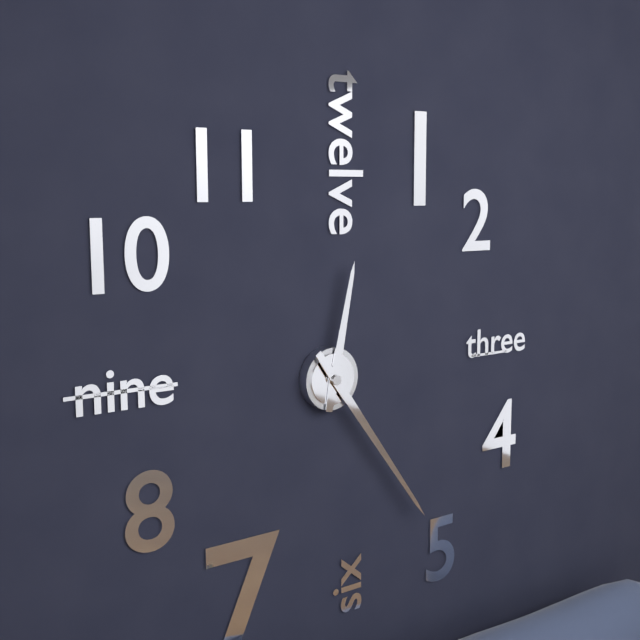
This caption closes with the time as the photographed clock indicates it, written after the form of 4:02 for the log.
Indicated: 12:24
